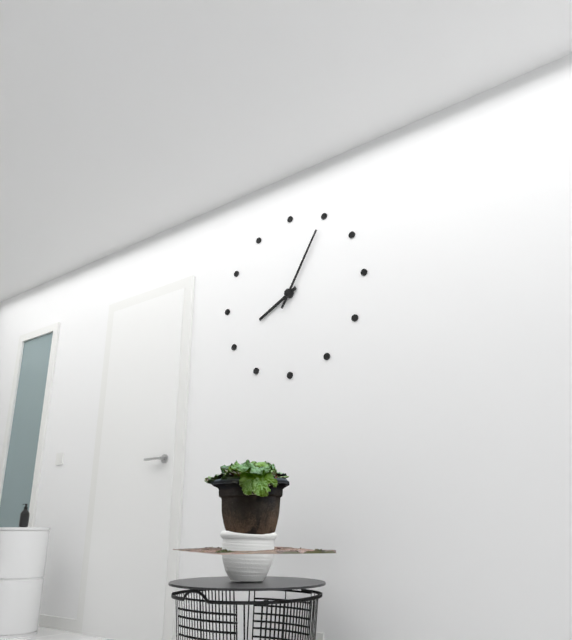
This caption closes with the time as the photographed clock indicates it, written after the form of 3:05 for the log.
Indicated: 8:05
